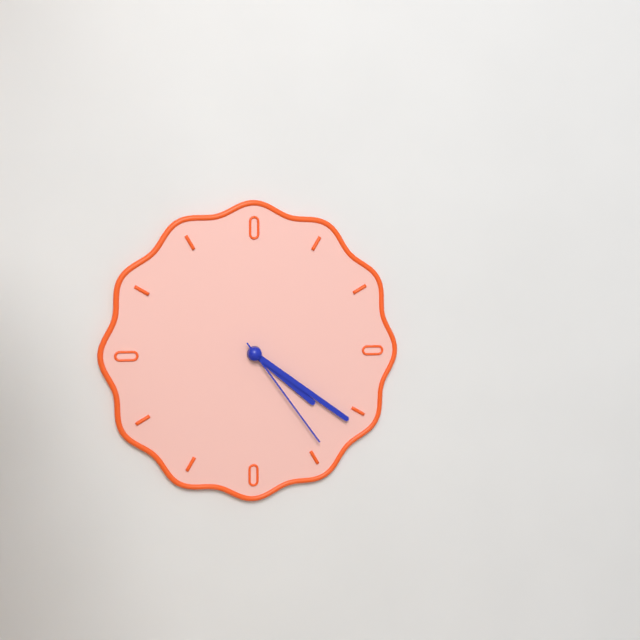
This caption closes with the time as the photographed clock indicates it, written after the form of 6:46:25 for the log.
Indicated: 4:21:24
